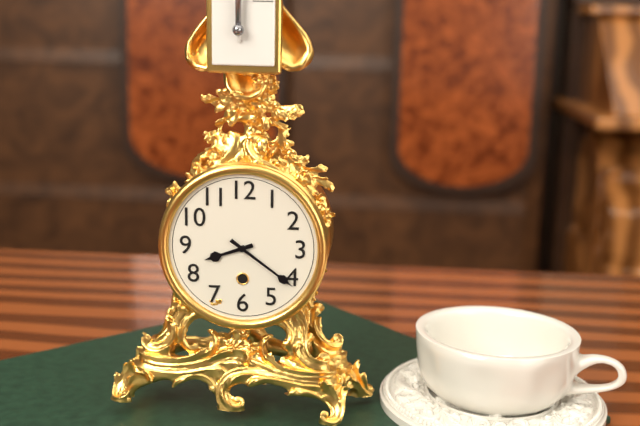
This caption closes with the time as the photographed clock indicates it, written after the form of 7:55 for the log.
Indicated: 8:21
